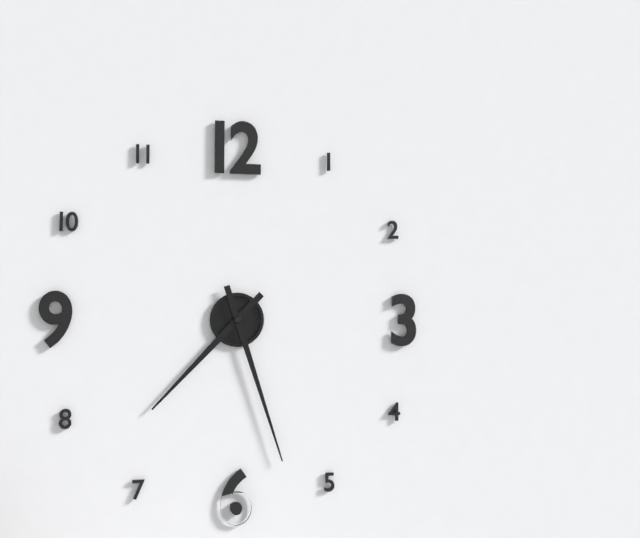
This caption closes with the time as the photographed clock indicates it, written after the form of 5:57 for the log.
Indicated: 7:27
